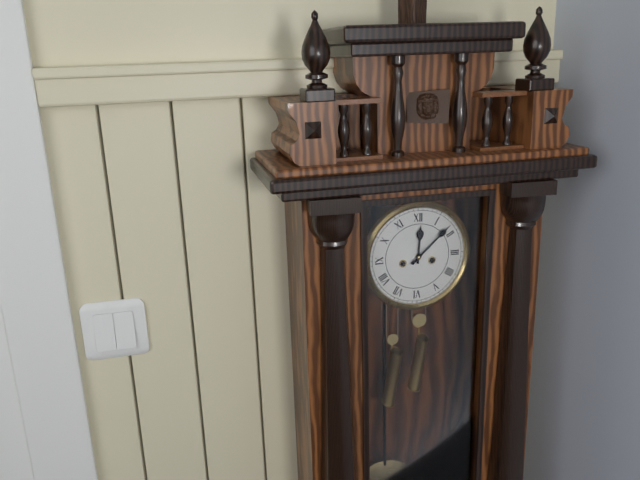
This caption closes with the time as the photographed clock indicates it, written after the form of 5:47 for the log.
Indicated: 12:08
